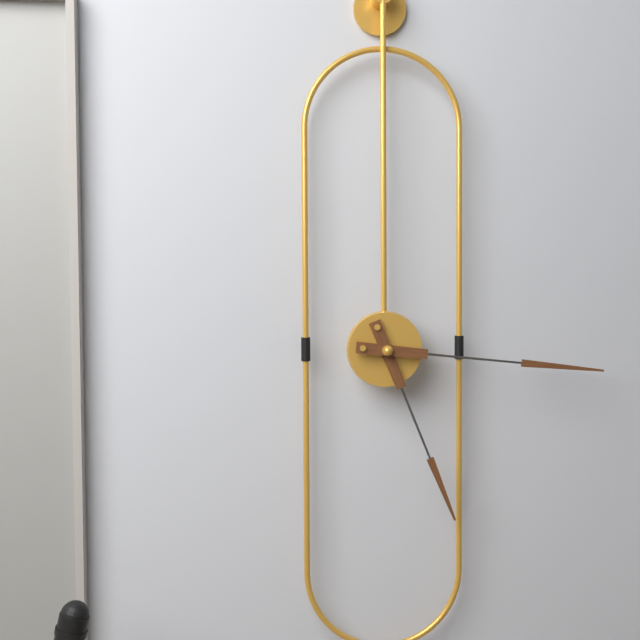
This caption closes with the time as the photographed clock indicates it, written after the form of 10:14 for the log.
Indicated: 5:16
